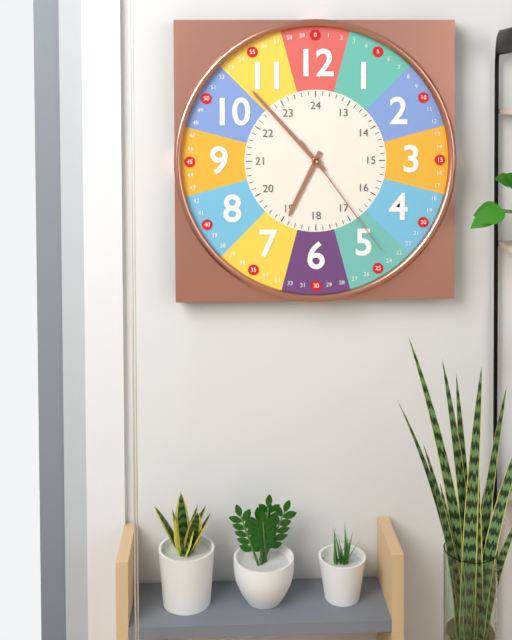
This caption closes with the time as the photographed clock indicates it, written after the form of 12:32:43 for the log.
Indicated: 6:53:24
